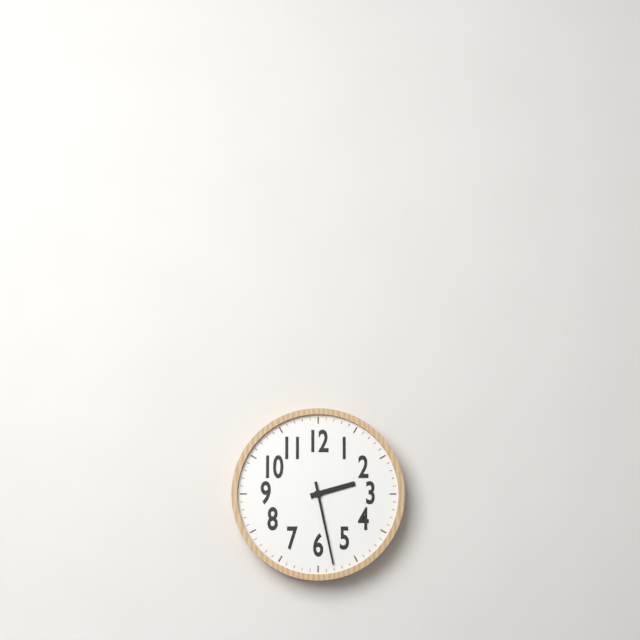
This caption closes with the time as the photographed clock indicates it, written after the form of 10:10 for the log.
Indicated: 2:28
